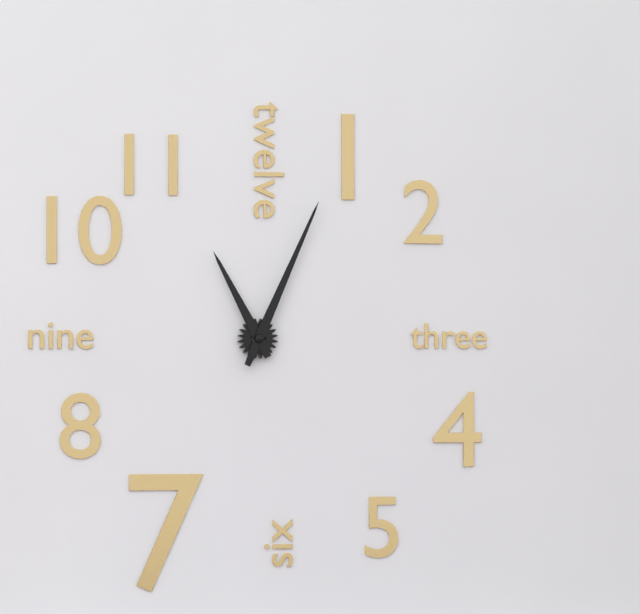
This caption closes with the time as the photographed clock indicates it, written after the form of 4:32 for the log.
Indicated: 11:04
